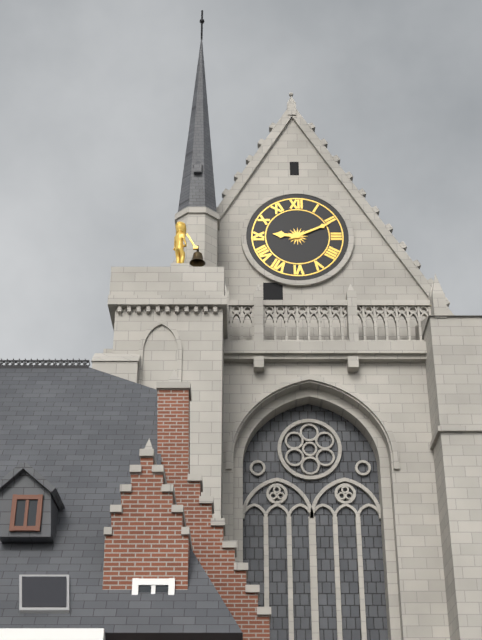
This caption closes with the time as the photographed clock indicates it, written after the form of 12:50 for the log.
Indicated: 9:11
